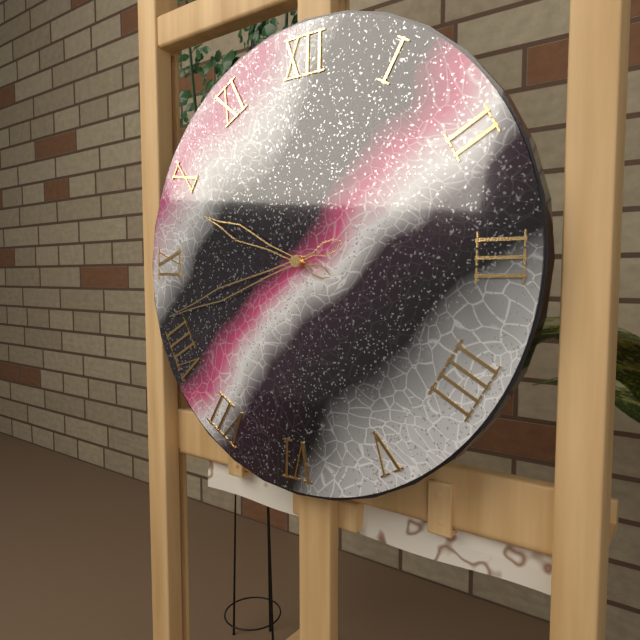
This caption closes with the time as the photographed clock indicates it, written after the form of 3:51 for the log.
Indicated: 9:42
